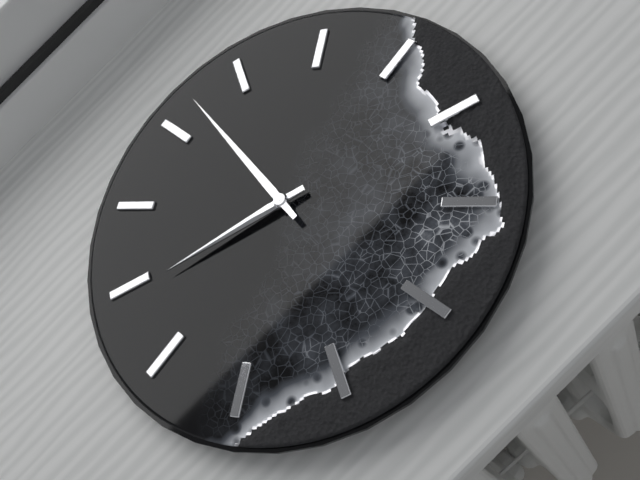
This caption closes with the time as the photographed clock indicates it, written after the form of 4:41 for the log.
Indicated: 7:52
